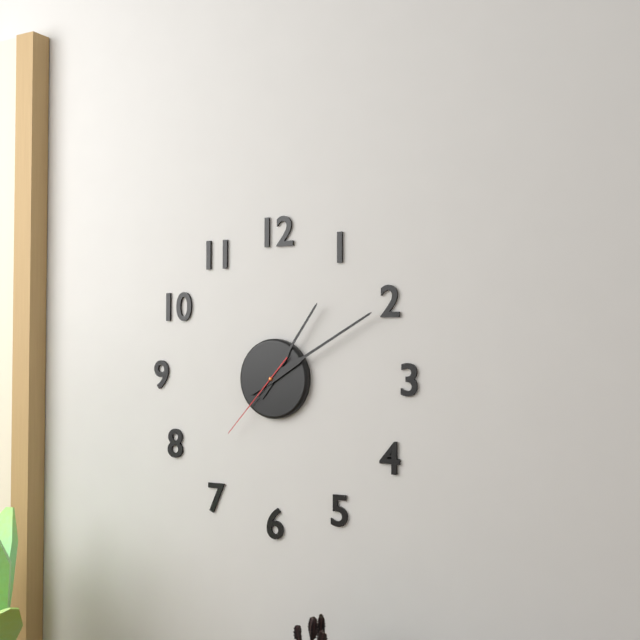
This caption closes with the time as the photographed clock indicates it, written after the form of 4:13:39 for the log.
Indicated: 1:10:37
